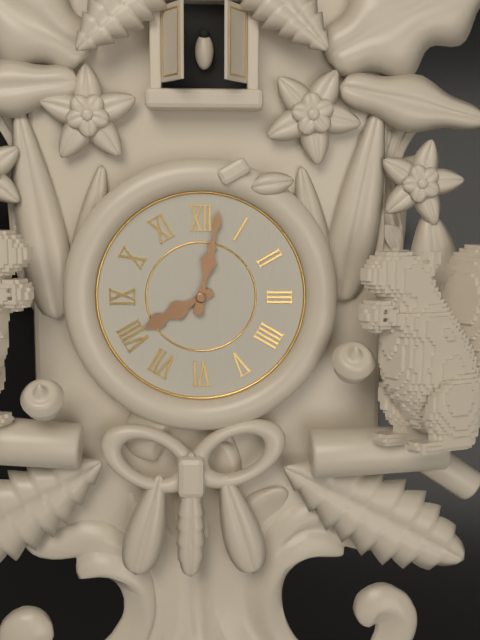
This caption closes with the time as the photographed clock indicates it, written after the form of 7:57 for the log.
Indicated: 8:02
